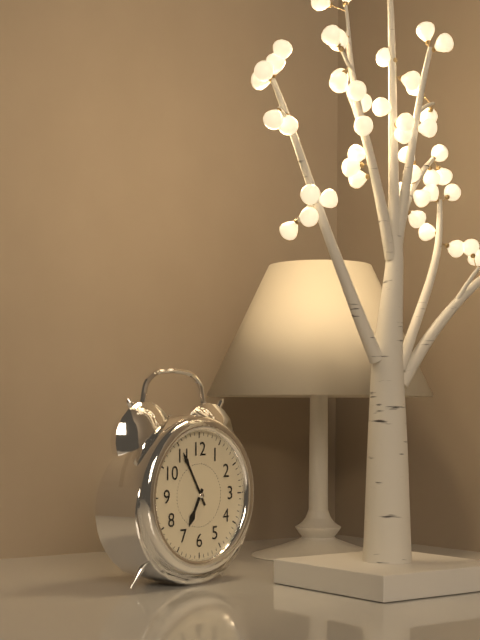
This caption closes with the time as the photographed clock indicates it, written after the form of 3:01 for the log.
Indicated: 6:55
